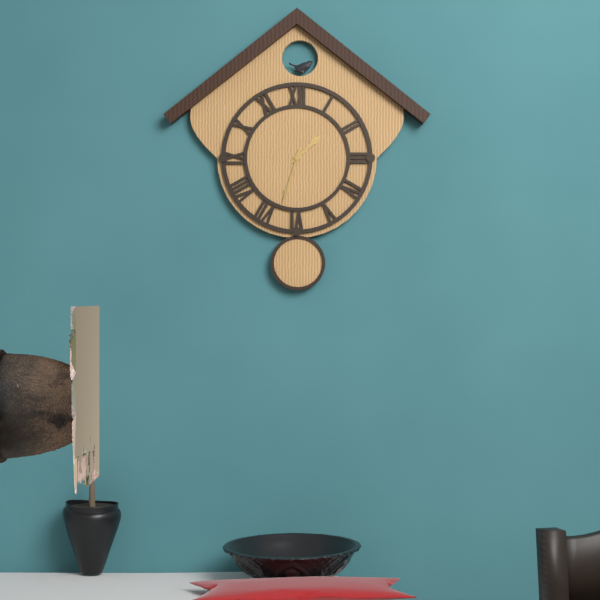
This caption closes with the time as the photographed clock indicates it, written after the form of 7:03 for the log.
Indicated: 1:33
